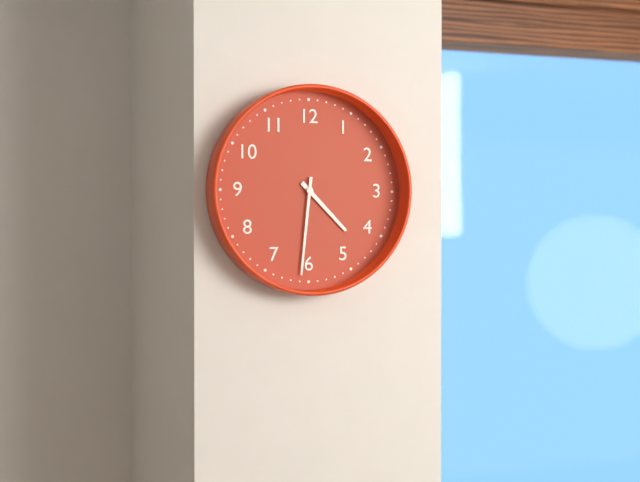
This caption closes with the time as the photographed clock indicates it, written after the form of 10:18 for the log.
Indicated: 4:31
